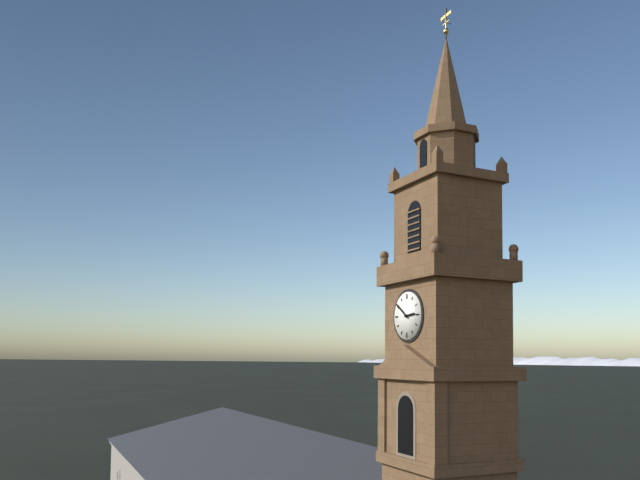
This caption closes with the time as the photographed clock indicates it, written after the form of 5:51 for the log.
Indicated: 2:51
